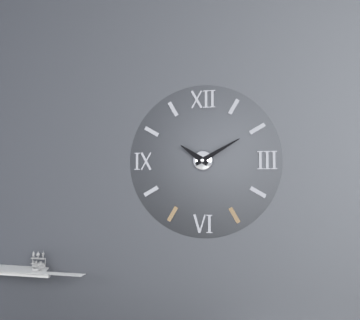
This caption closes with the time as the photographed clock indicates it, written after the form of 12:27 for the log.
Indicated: 10:10
